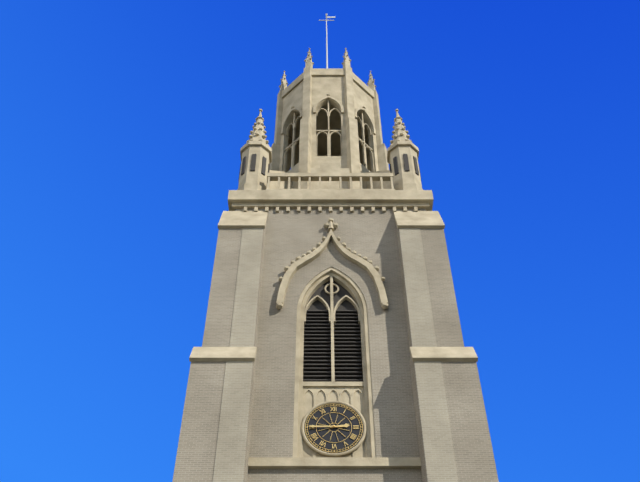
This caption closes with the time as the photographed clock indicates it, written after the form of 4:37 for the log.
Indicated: 2:45
